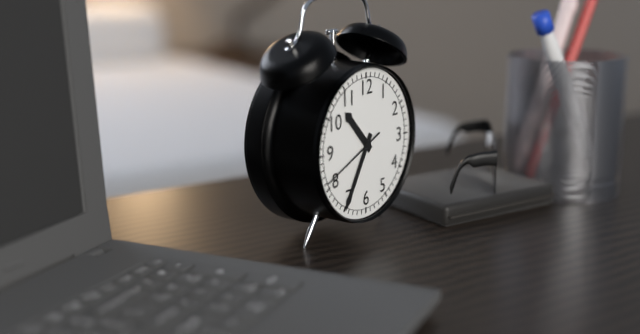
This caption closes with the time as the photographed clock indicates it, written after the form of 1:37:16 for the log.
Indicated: 10:35:41
